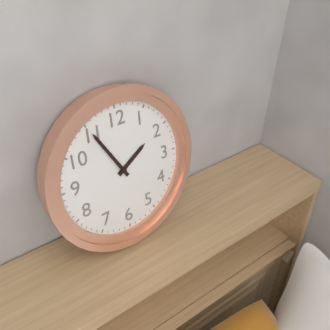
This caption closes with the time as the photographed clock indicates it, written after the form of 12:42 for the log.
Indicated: 1:55
